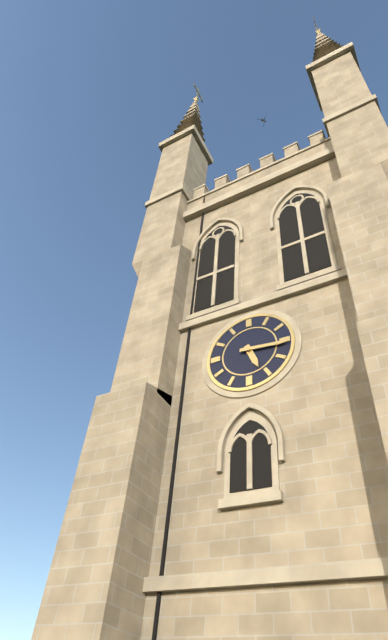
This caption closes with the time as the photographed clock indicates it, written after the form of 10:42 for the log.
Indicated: 5:16
